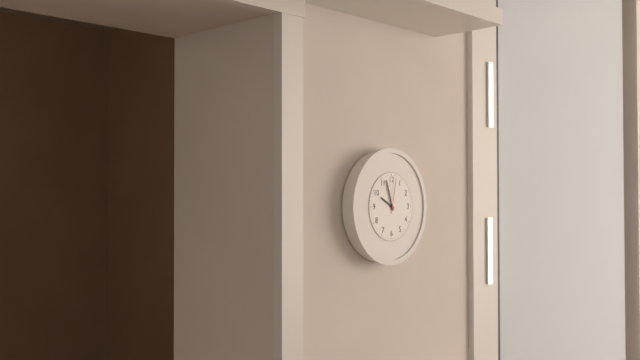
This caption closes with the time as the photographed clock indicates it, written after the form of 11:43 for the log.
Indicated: 9:57
